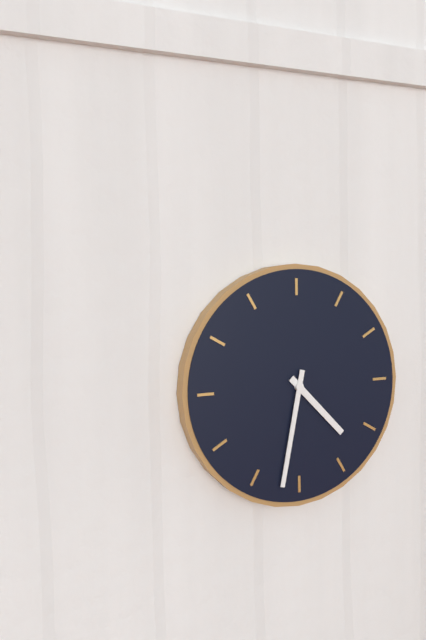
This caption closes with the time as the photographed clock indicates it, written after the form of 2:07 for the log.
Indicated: 4:32
